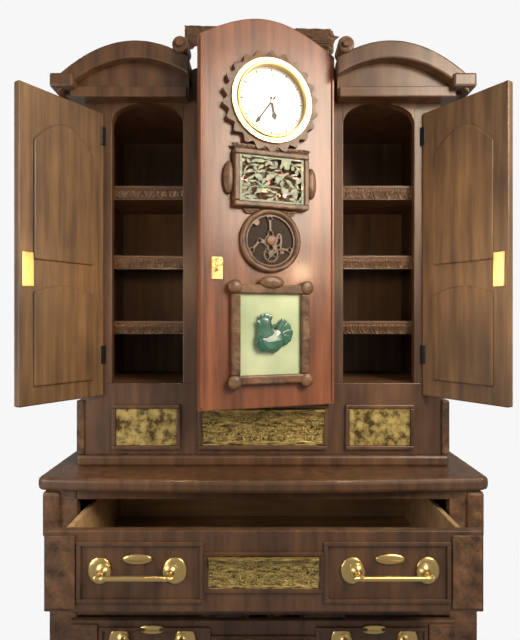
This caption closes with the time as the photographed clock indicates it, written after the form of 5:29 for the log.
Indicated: 5:36
